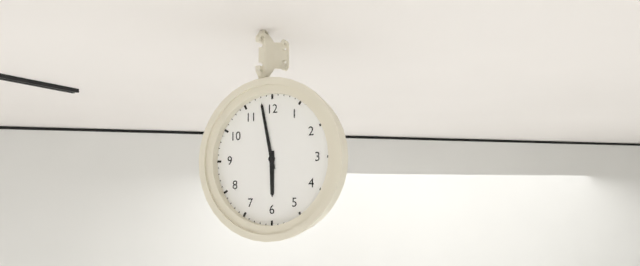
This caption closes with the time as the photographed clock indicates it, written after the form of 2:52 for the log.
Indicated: 5:58
